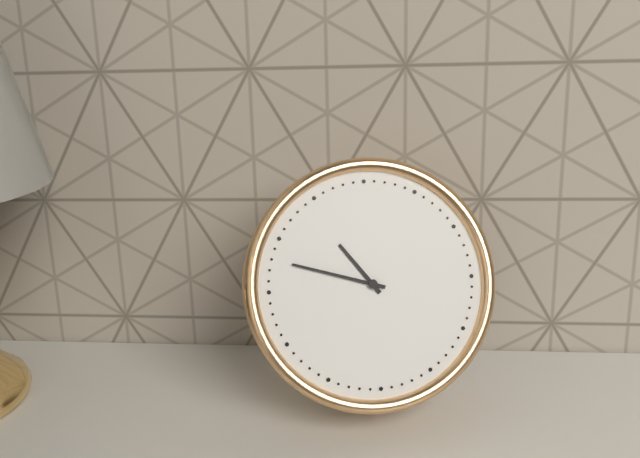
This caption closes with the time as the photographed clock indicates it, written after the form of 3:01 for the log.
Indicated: 10:48
